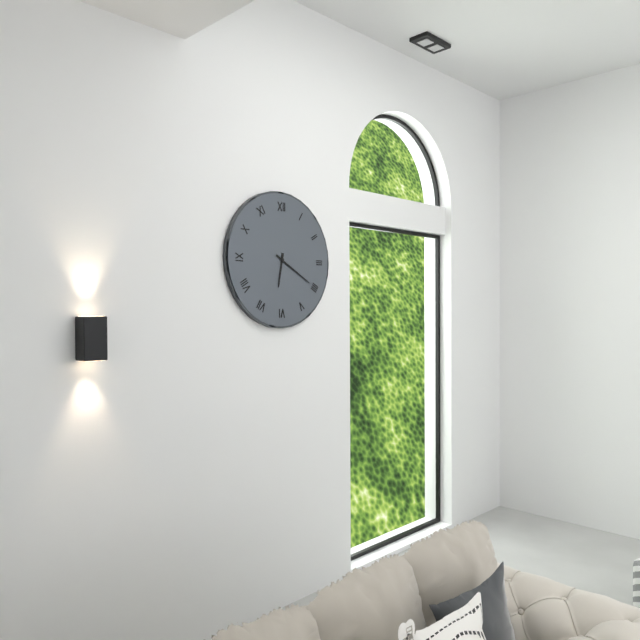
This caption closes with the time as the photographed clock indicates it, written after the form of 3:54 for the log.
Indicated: 6:20
